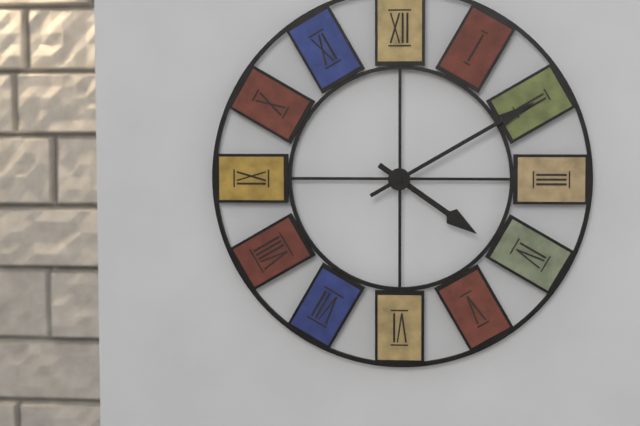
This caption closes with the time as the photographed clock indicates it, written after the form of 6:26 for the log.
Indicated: 4:10
